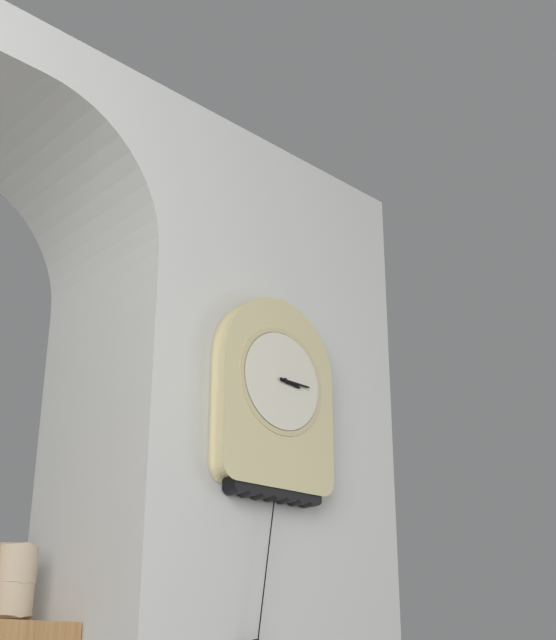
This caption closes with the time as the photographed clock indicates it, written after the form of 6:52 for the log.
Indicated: 3:15
